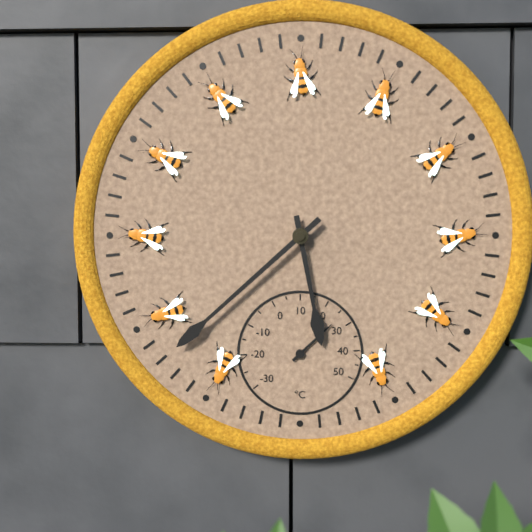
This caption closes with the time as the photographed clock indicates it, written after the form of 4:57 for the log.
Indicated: 5:38
